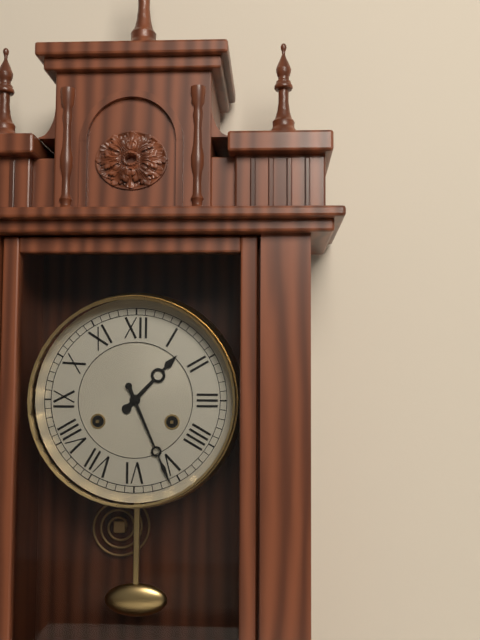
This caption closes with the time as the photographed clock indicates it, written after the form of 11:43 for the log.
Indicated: 1:26
